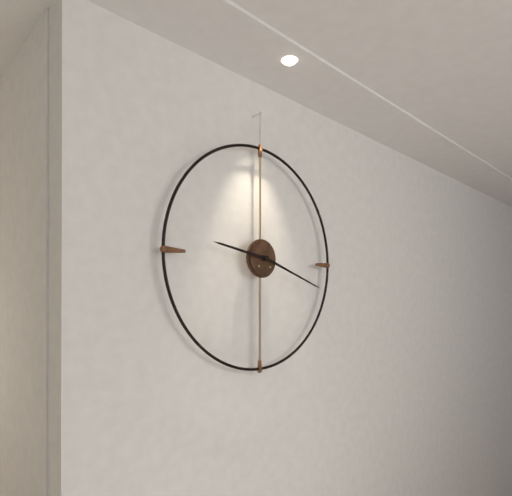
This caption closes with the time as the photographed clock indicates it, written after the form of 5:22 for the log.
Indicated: 9:18
